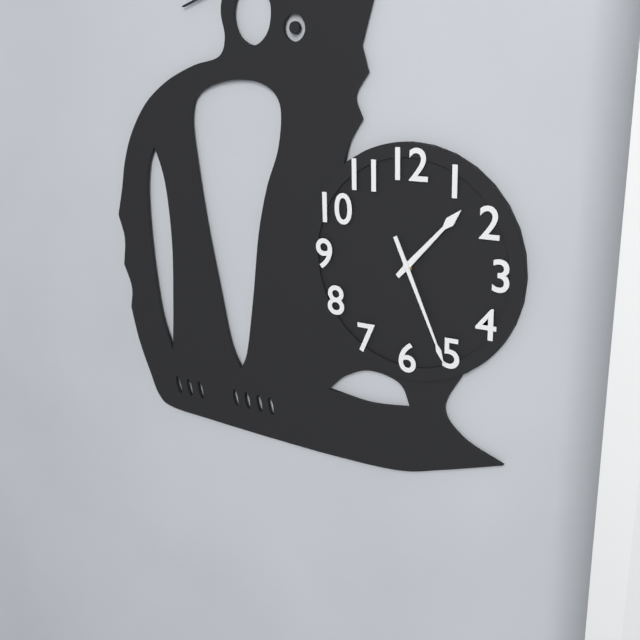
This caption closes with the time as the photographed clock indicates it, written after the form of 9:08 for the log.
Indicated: 1:26
